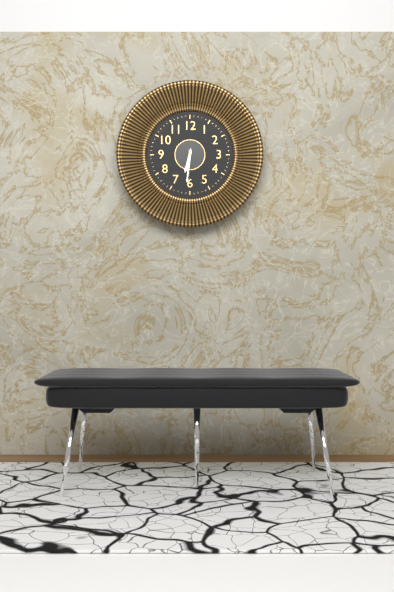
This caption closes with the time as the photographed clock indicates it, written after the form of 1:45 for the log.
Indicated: 6:31
